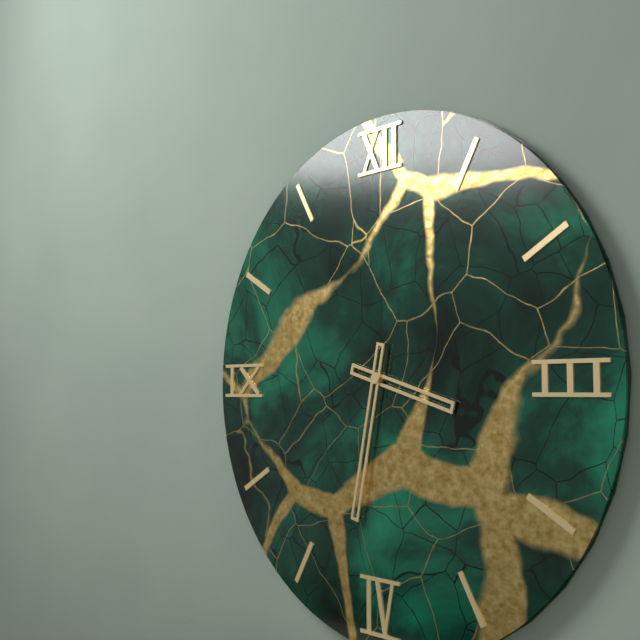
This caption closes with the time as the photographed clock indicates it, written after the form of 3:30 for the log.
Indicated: 3:32
